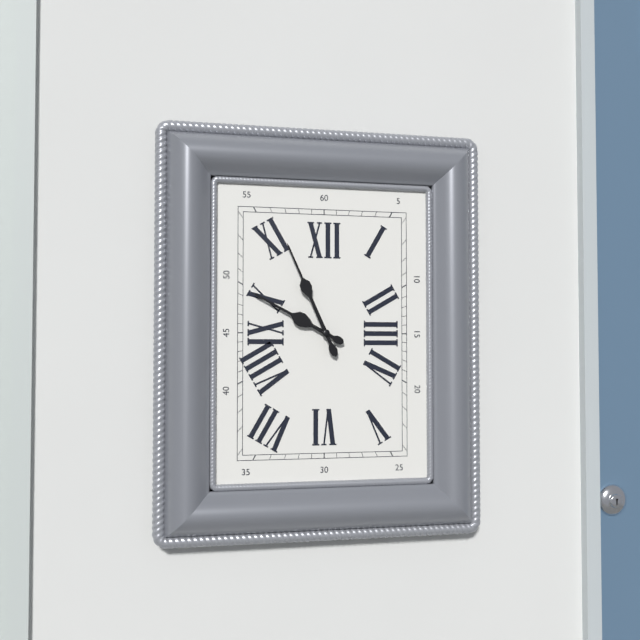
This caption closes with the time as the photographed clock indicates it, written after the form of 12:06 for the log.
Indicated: 9:56
